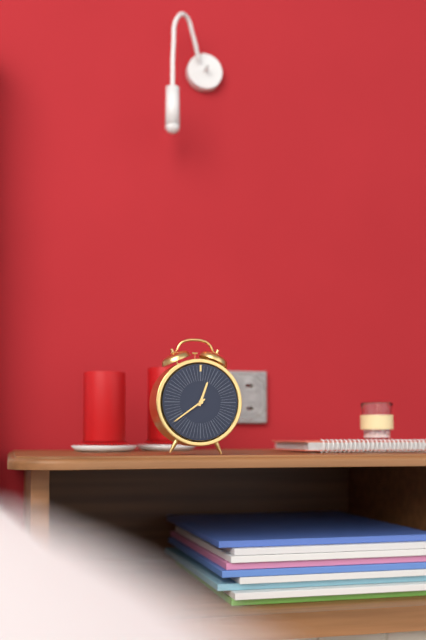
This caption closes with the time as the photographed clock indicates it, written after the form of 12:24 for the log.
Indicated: 12:39
